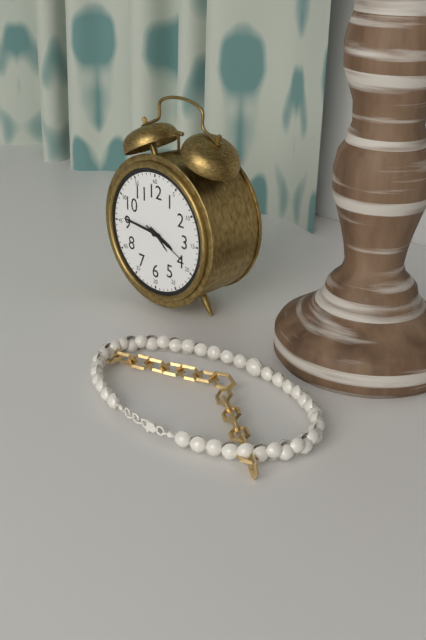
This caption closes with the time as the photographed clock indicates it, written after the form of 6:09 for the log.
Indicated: 3:46
